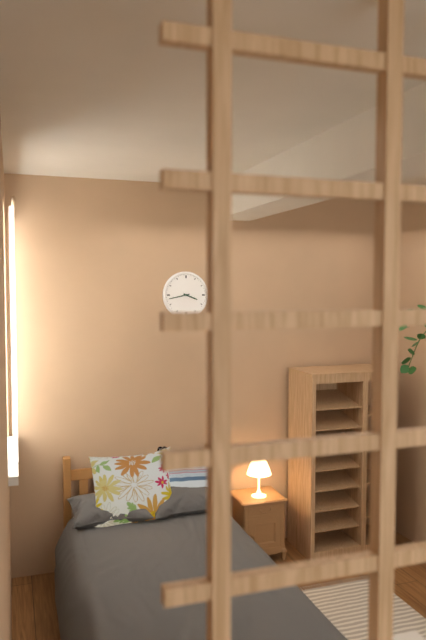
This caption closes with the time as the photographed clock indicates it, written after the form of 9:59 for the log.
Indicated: 3:43
